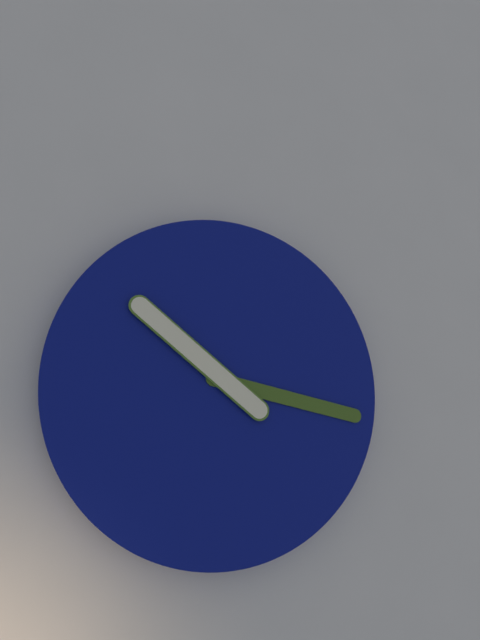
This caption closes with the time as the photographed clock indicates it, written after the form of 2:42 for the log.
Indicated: 10:17
